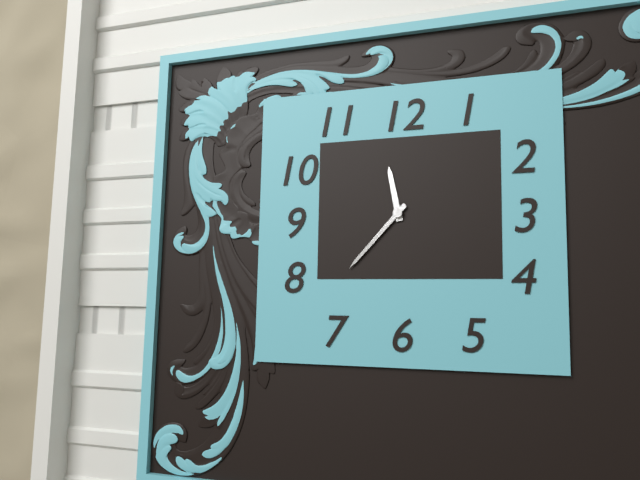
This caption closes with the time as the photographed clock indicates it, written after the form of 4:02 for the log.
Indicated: 11:37
